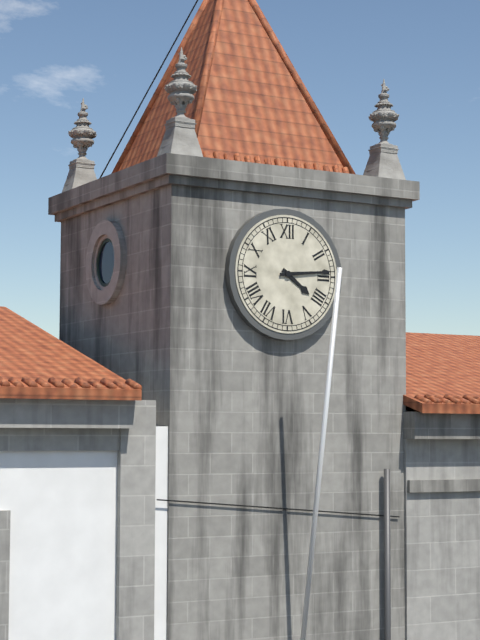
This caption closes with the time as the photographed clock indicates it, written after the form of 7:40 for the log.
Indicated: 4:14
